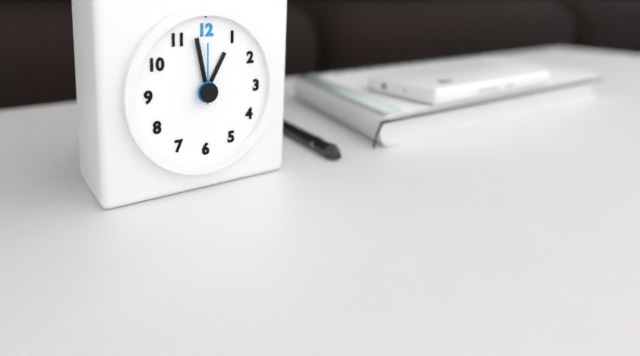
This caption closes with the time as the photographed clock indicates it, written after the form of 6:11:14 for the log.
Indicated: 12:58:00
